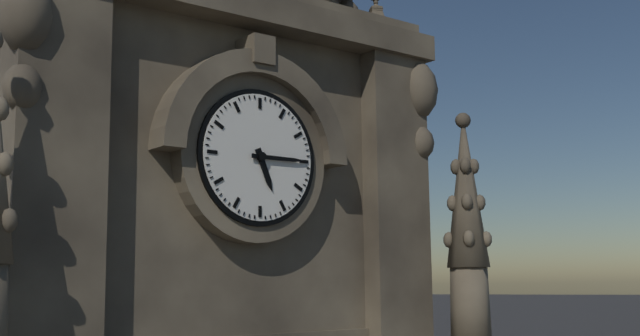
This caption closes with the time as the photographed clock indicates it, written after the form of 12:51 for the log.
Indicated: 5:15
